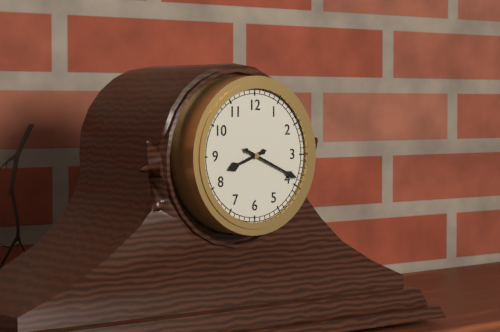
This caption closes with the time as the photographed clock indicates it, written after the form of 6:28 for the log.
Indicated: 8:19
